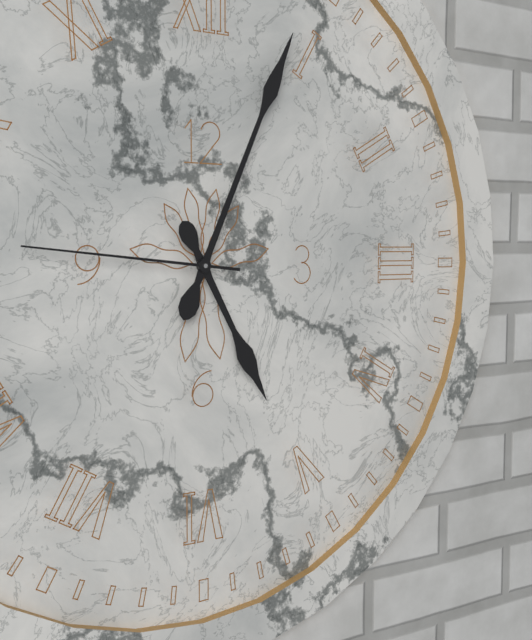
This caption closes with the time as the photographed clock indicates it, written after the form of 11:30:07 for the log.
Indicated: 5:04:46
